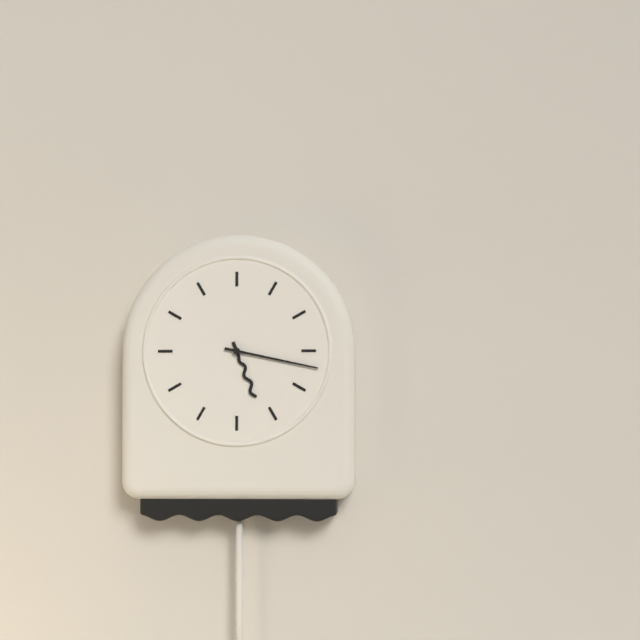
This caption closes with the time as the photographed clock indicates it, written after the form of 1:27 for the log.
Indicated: 5:17
